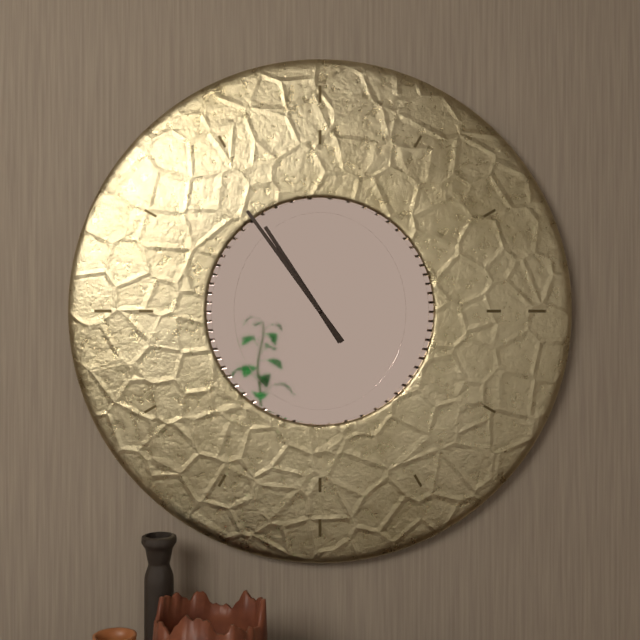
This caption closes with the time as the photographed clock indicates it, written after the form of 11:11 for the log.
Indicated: 10:54
